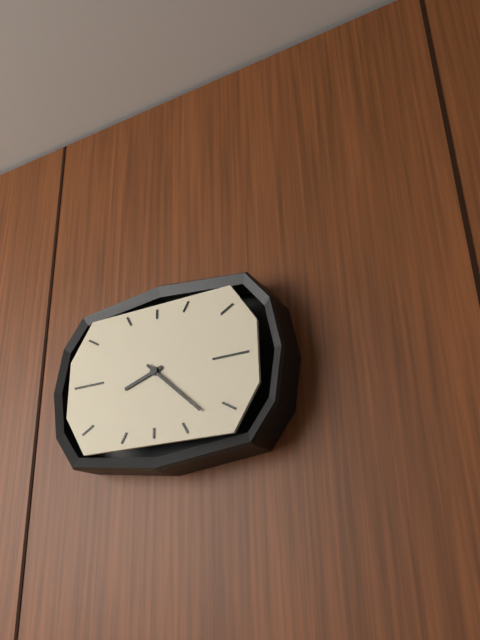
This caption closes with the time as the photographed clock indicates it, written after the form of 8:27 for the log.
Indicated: 8:22
